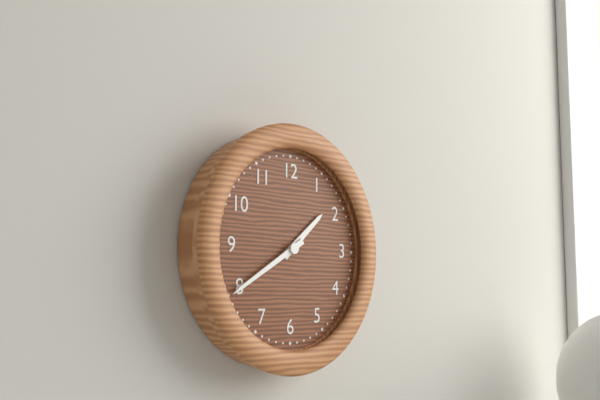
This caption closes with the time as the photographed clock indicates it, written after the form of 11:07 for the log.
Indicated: 1:40
